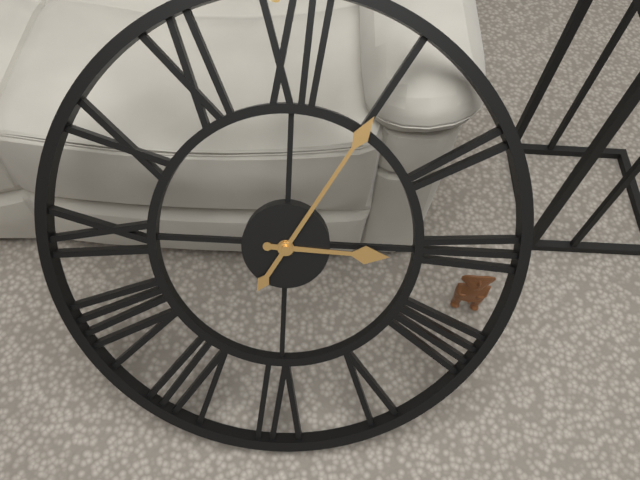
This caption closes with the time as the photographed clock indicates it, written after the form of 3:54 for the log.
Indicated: 3:05
